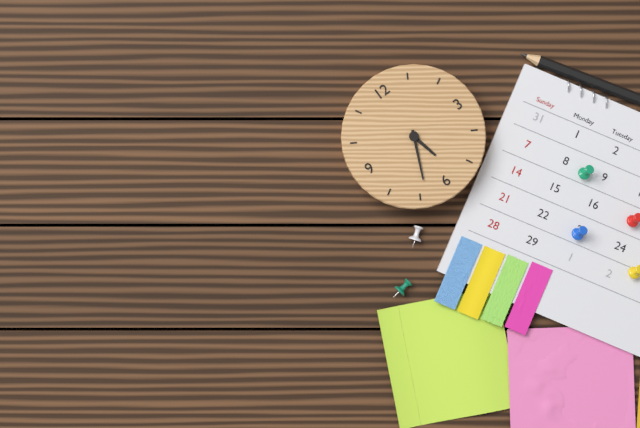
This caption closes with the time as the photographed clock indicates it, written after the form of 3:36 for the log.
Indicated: 5:34
